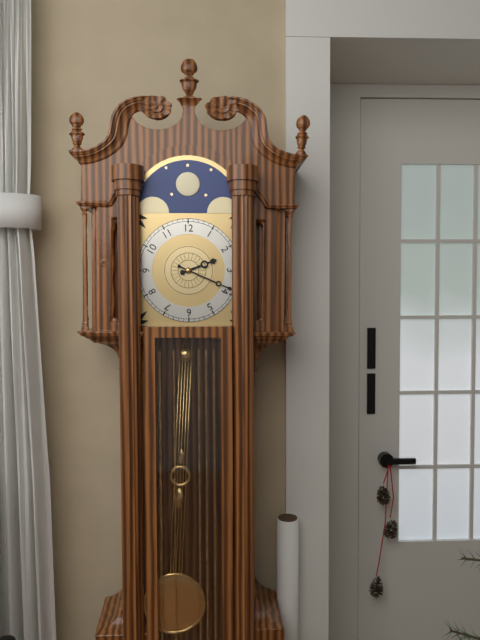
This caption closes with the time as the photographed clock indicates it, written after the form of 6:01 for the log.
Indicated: 2:19
